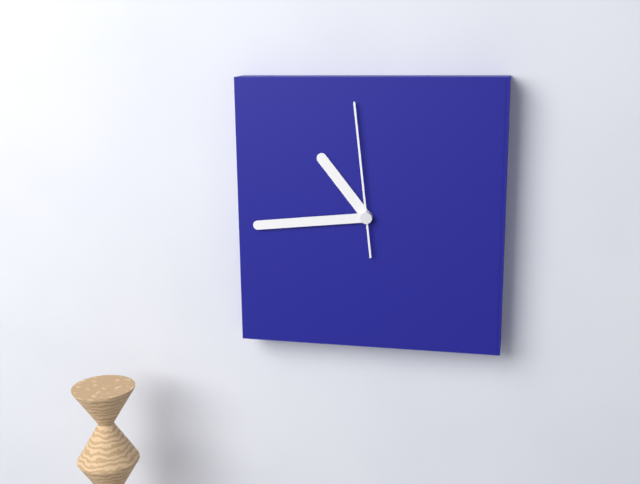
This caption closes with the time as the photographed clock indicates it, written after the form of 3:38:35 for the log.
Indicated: 10:44:59
